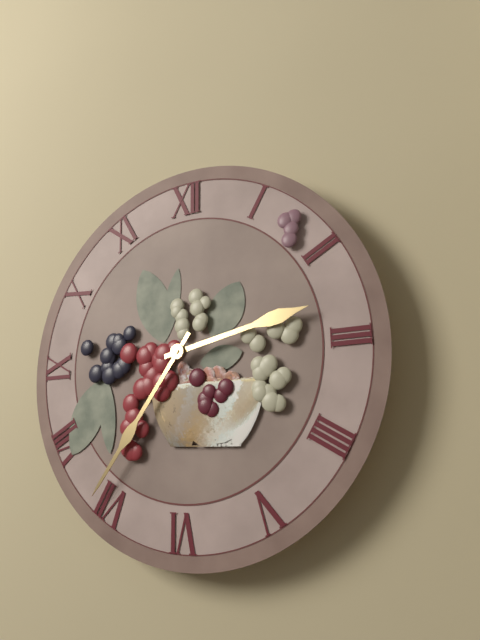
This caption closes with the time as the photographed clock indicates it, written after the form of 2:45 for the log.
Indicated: 2:36
